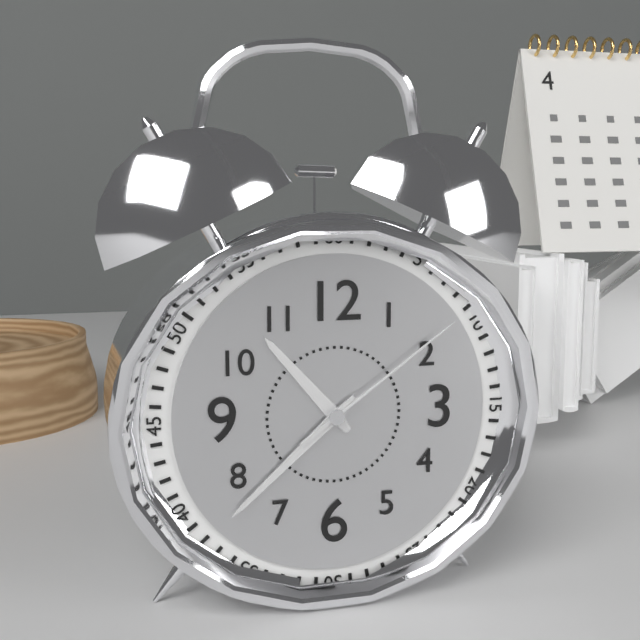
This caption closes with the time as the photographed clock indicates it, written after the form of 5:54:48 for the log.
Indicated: 10:38:09
